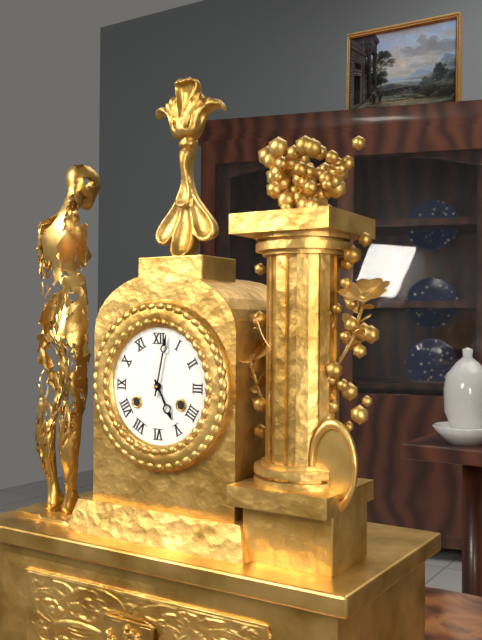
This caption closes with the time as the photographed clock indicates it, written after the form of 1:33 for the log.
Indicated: 5:02
